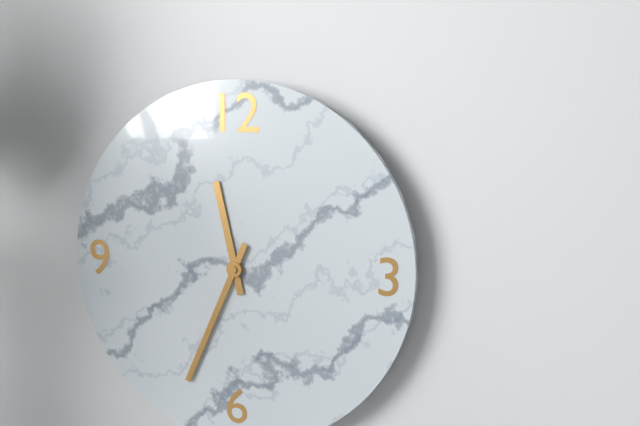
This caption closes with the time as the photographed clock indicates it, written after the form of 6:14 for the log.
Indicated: 11:34
